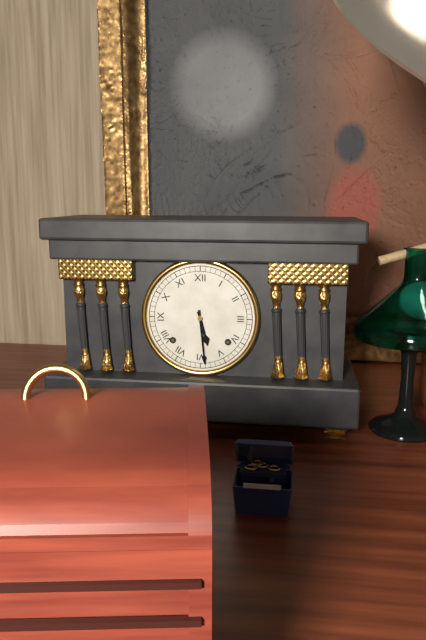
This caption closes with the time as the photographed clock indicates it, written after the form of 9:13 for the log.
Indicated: 5:29
